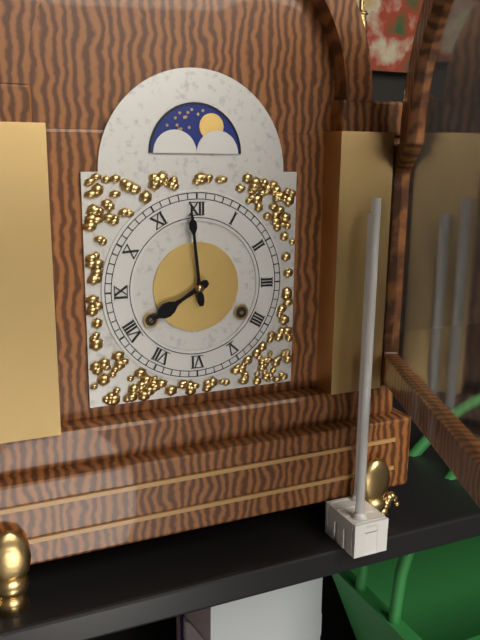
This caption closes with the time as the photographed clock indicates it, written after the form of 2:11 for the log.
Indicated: 7:59
